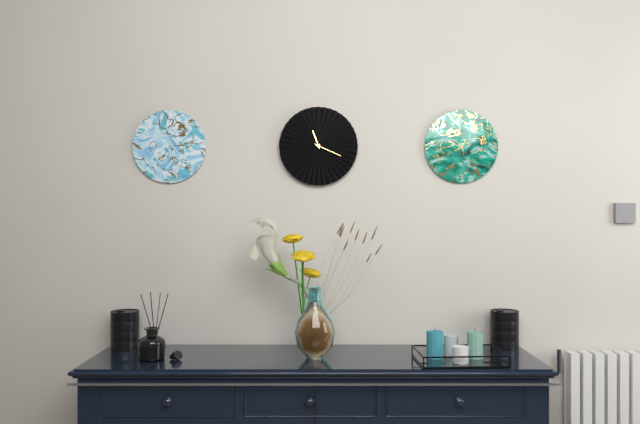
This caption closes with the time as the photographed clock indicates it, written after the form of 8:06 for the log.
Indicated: 11:19
